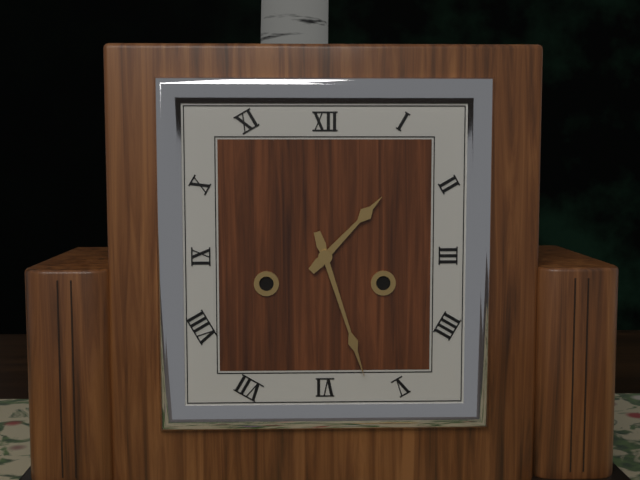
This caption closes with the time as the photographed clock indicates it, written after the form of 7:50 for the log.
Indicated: 1:27
